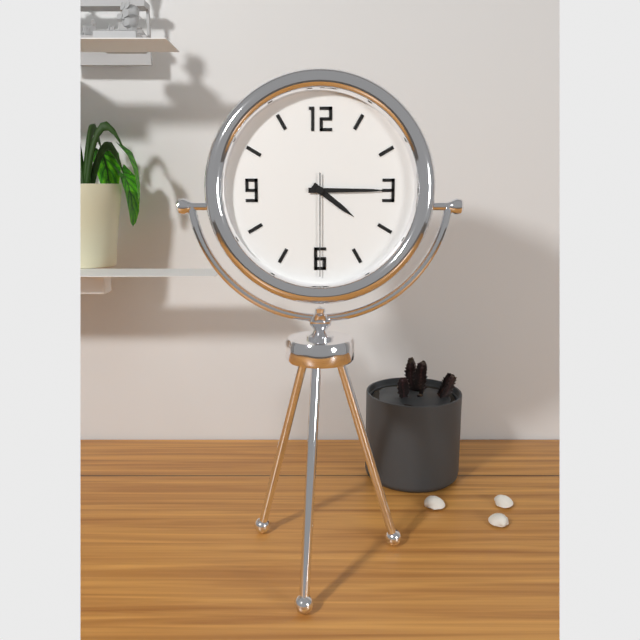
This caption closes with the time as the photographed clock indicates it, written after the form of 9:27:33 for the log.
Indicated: 4:15:30
